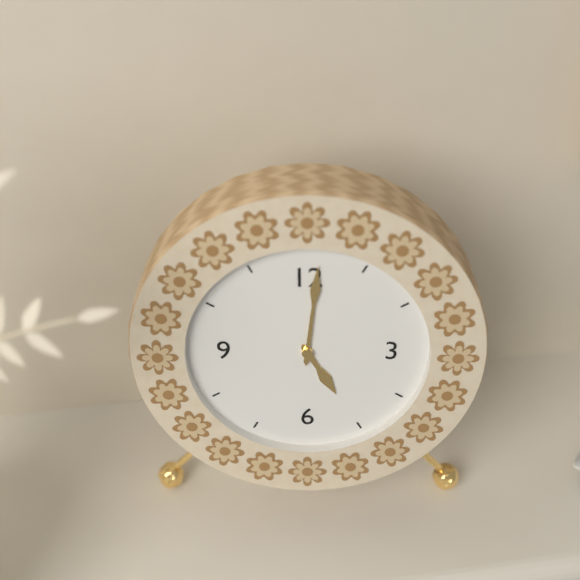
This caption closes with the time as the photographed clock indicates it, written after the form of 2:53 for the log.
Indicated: 5:01
